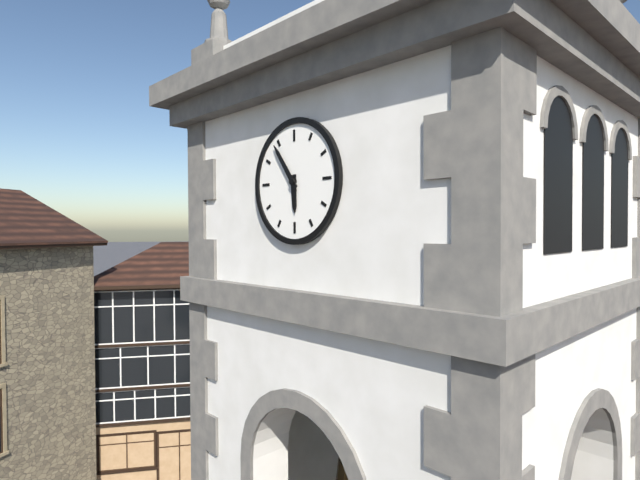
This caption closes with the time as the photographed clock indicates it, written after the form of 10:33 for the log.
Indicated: 5:54
